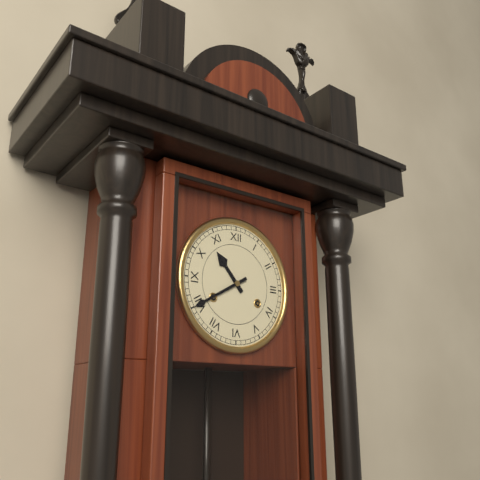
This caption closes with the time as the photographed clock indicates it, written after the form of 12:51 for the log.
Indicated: 10:40
